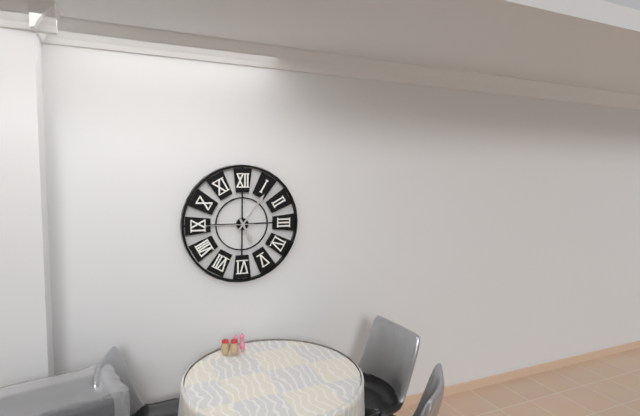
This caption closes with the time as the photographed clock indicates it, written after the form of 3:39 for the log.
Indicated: 5:06
